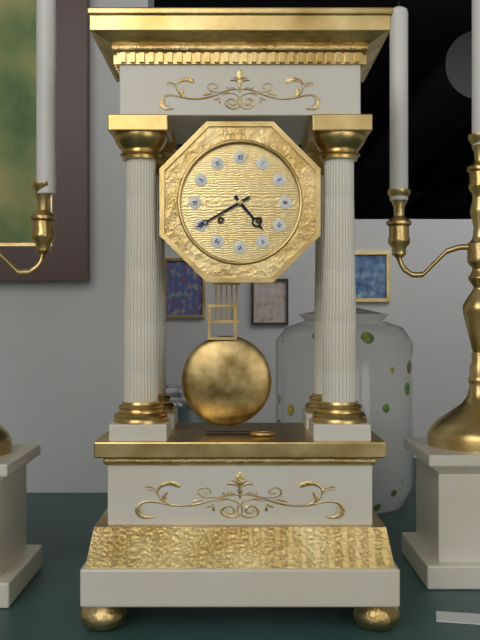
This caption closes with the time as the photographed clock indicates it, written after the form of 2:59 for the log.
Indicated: 4:40
